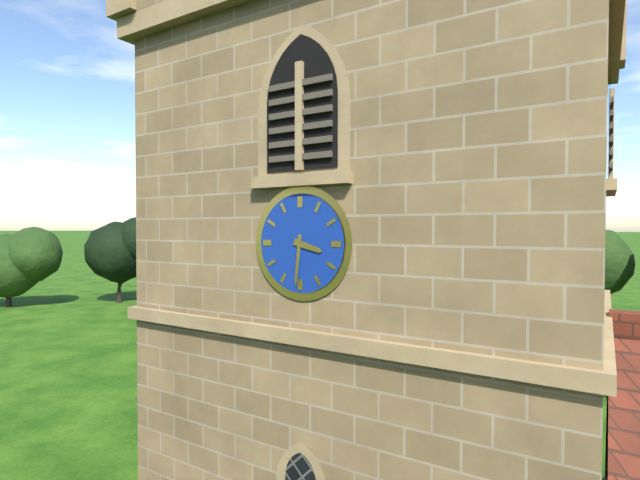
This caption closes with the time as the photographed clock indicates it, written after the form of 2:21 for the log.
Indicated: 3:31
